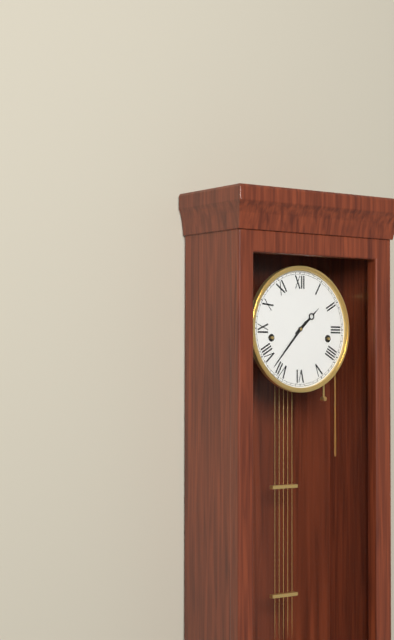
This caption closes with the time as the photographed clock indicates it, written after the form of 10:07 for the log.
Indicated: 1:37
